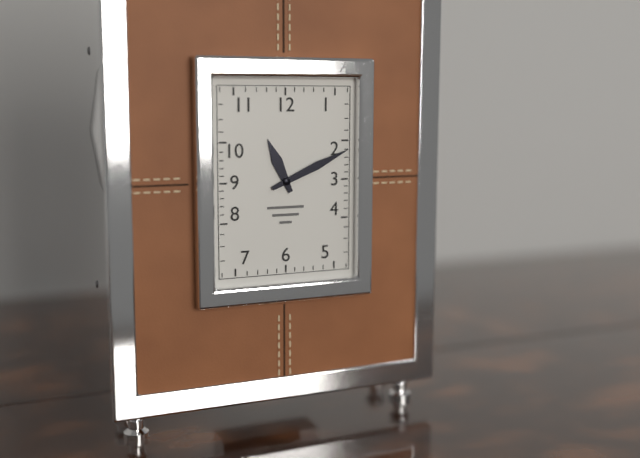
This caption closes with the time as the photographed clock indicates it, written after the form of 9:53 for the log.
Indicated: 11:11
